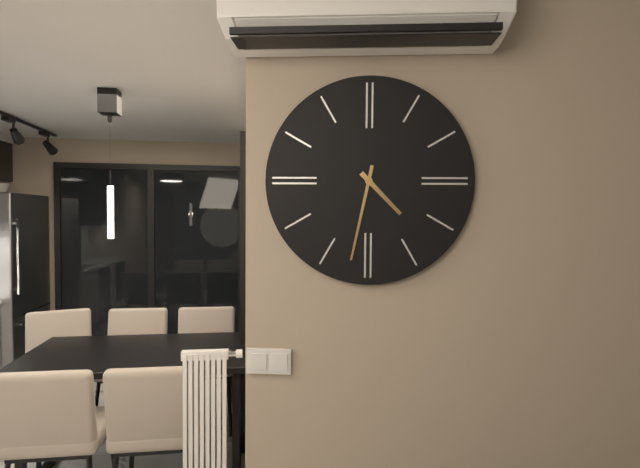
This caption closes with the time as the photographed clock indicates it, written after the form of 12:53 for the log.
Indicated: 4:32
